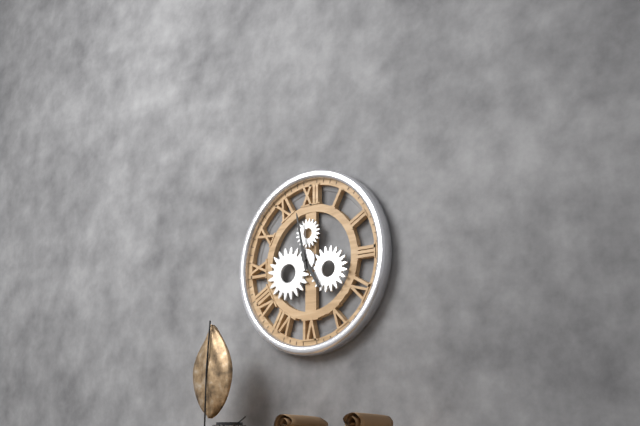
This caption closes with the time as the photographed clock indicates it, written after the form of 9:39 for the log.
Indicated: 4:58
